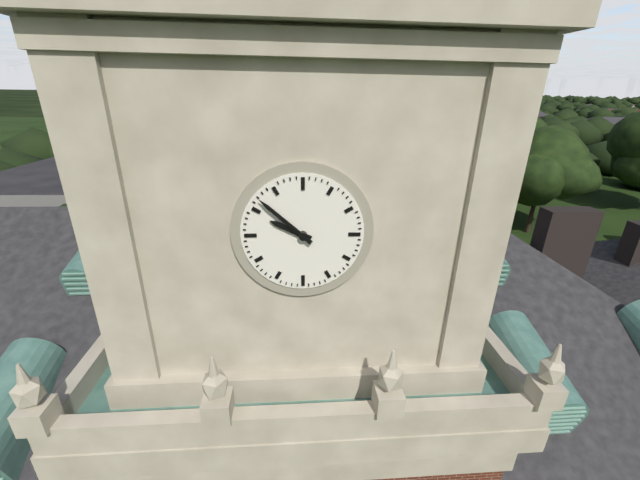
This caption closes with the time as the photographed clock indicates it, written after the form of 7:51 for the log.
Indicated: 9:52
